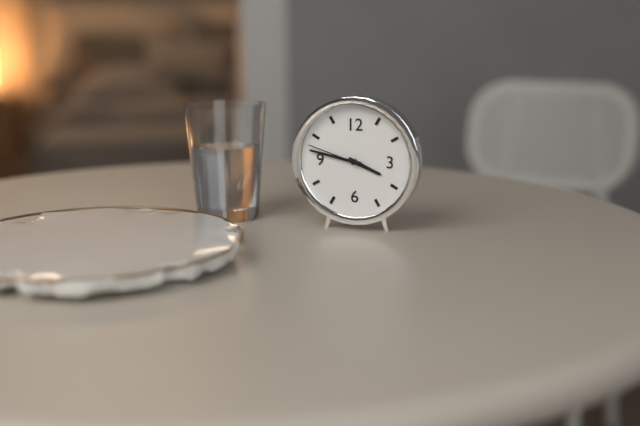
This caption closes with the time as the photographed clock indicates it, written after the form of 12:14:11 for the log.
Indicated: 3:47:48
